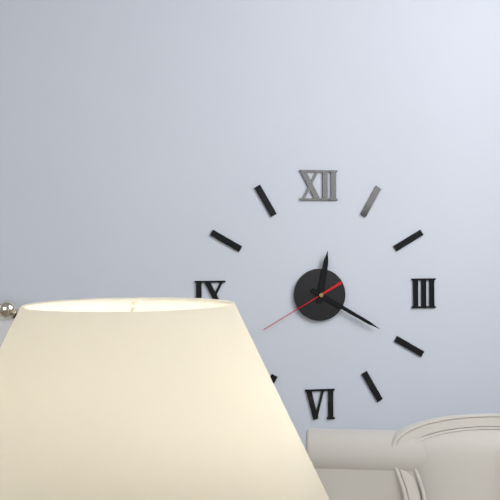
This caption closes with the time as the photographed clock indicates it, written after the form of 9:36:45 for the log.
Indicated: 12:20:40
